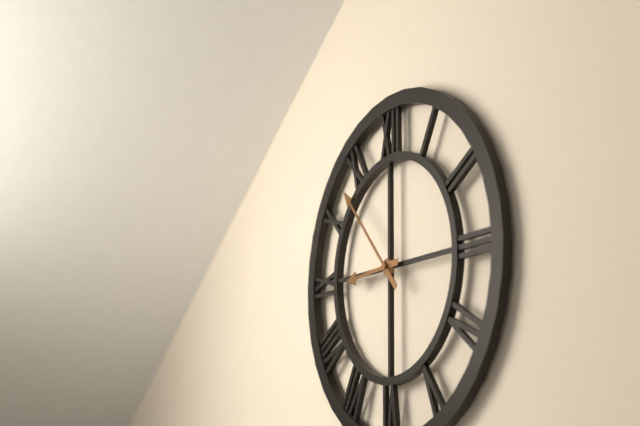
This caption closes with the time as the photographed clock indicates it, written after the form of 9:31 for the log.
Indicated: 8:53
